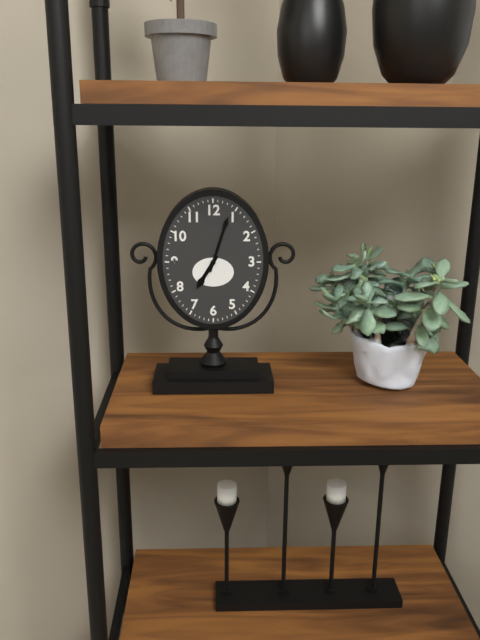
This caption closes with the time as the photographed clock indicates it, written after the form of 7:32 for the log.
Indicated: 7:03
